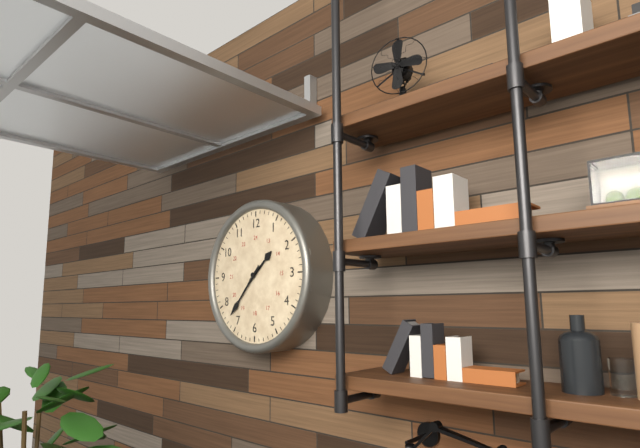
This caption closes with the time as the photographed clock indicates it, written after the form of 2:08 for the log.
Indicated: 1:37
